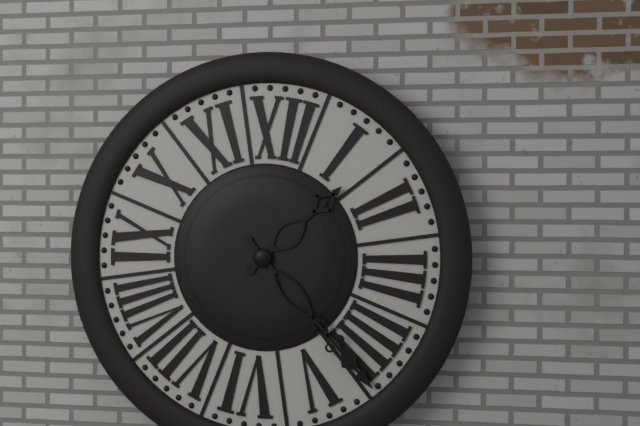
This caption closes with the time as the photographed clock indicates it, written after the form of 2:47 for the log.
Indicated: 1:22
